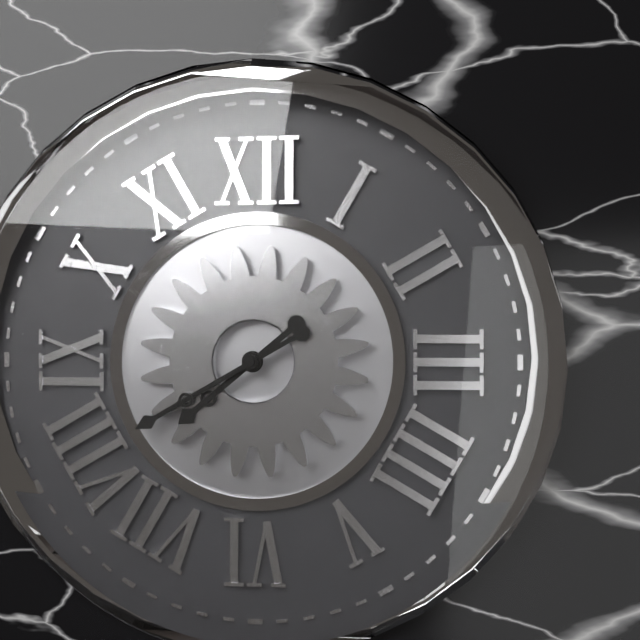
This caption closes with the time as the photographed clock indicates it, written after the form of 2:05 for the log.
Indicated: 7:40
